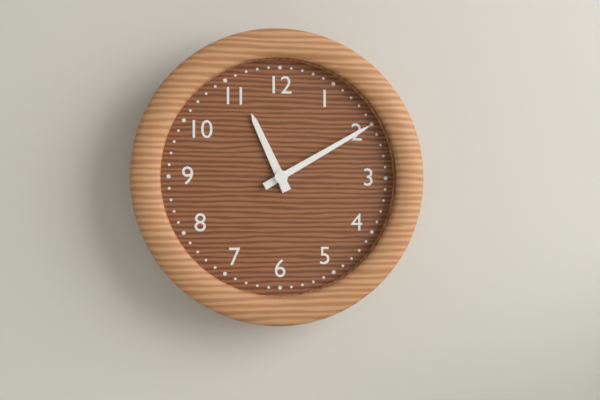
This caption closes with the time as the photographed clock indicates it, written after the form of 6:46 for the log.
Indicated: 11:10
